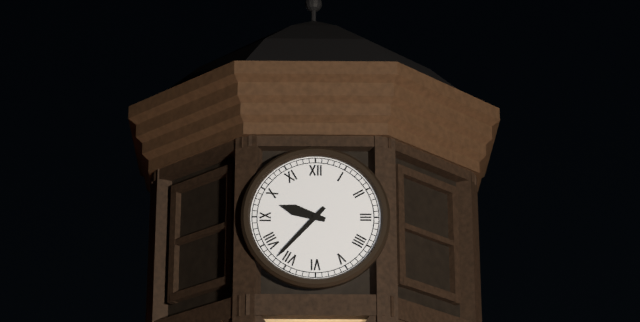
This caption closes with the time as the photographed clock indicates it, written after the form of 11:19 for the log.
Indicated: 9:37
